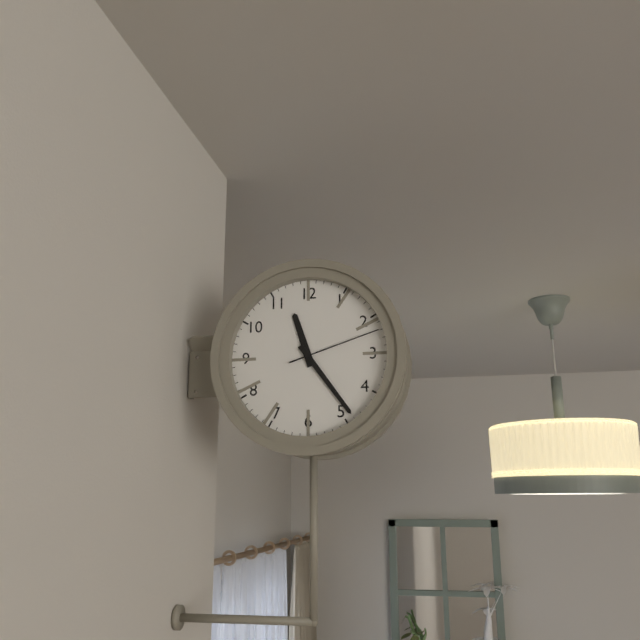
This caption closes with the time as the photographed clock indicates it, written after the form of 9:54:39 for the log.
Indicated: 11:24:12
